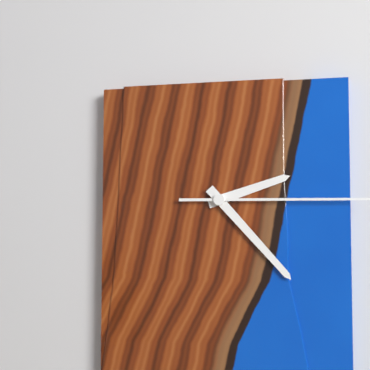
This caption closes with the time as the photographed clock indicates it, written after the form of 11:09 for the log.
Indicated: 2:23
